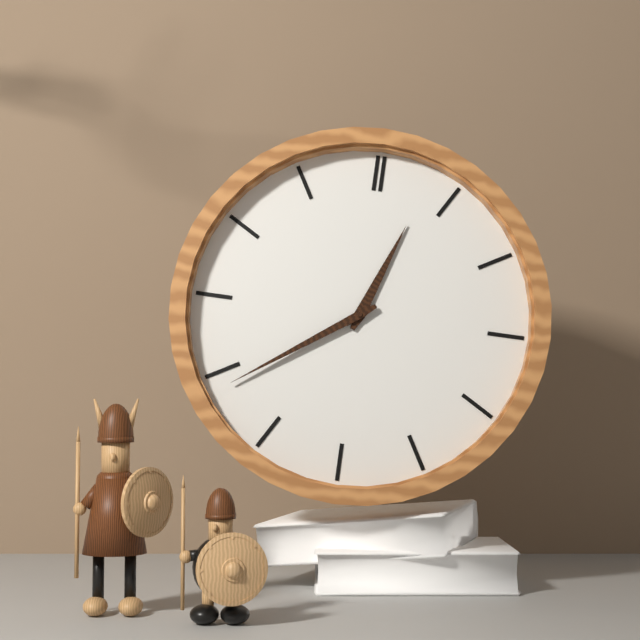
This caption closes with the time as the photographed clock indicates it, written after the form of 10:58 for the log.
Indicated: 12:39
